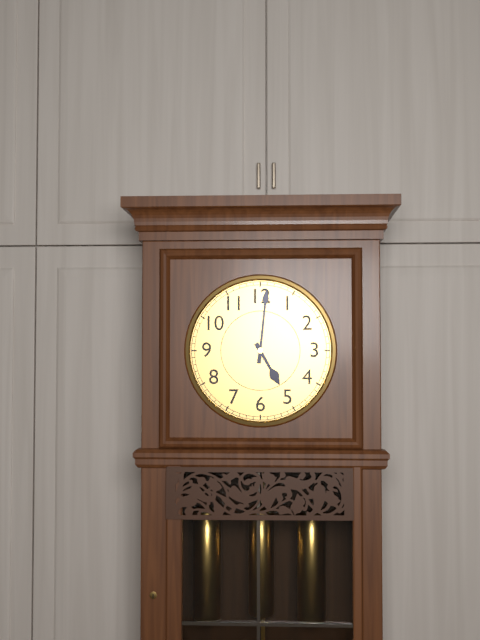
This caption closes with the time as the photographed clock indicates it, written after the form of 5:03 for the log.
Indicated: 5:01
